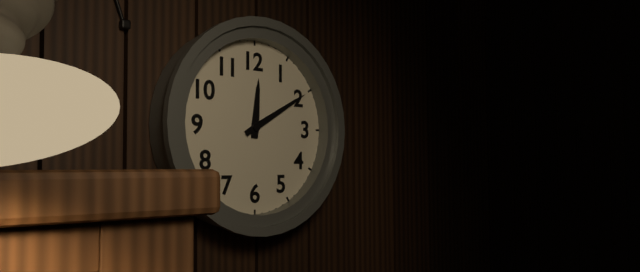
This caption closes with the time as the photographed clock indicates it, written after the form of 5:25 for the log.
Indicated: 12:10
